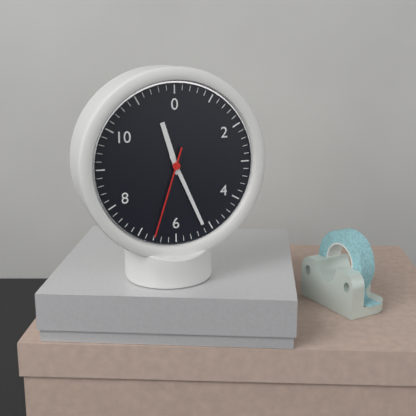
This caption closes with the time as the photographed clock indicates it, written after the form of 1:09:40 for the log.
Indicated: 11:26:33
